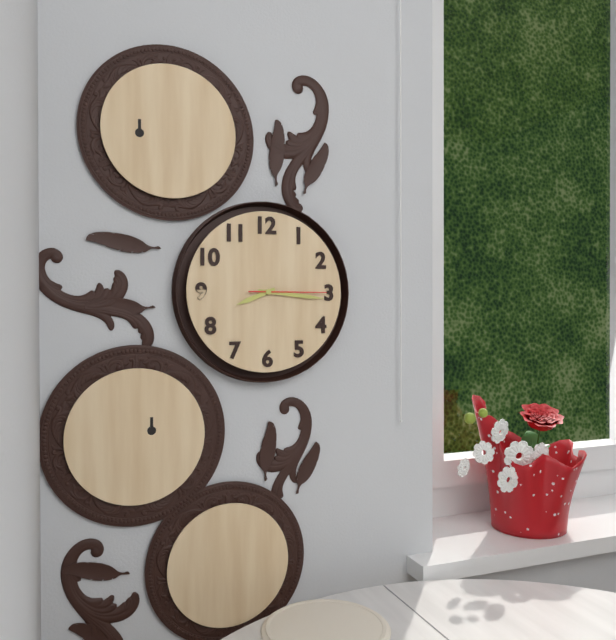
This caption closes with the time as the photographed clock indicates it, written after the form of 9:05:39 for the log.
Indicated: 8:16:15
